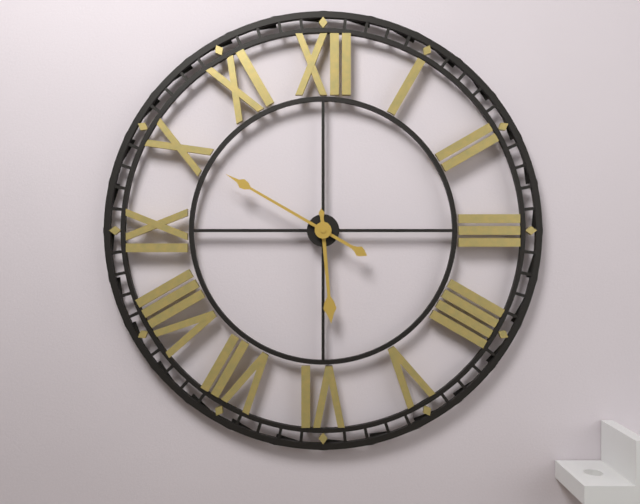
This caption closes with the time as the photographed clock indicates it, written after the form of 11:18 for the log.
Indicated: 5:50
